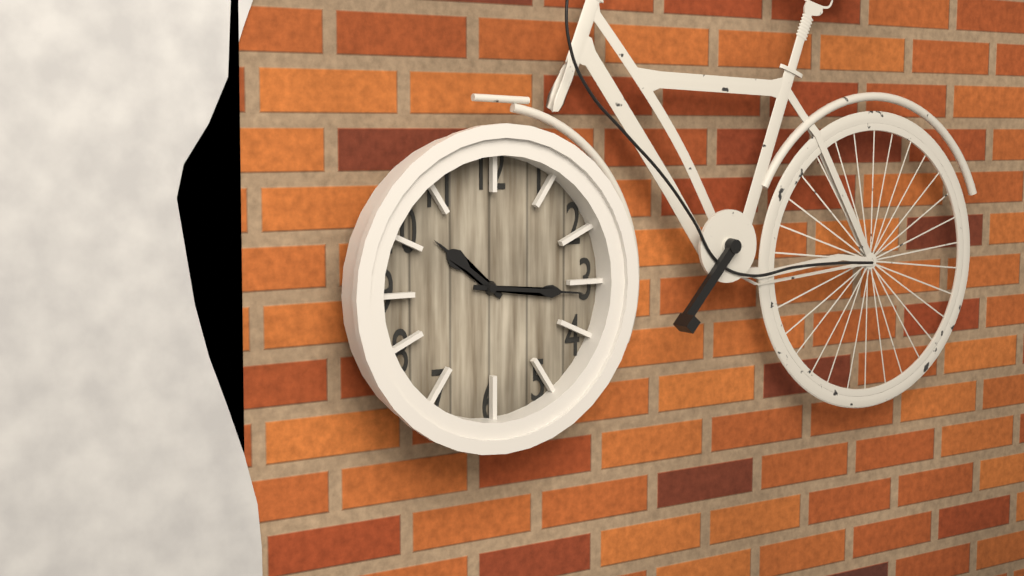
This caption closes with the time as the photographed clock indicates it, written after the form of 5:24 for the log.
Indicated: 10:16
